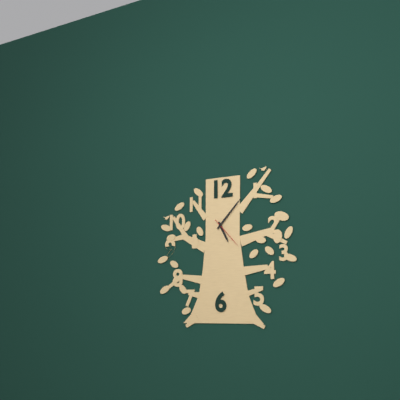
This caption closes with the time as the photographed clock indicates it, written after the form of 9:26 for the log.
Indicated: 5:07
